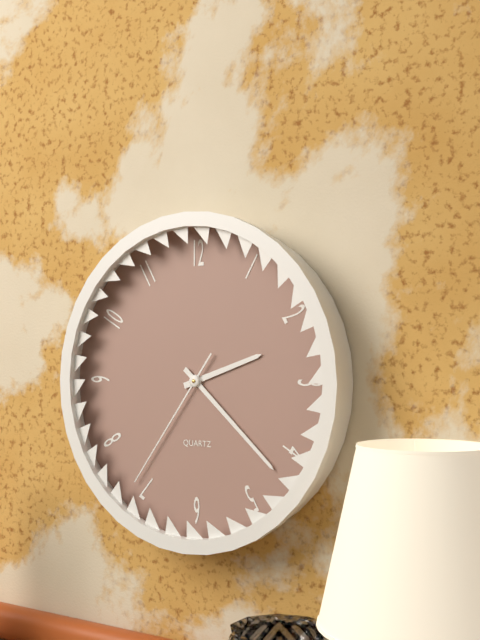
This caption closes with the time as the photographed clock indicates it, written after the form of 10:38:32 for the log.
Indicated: 2:22:36
